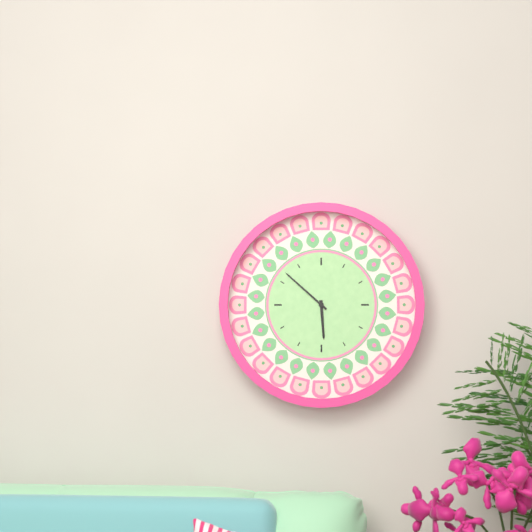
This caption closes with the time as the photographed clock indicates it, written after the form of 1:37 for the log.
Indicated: 5:52
